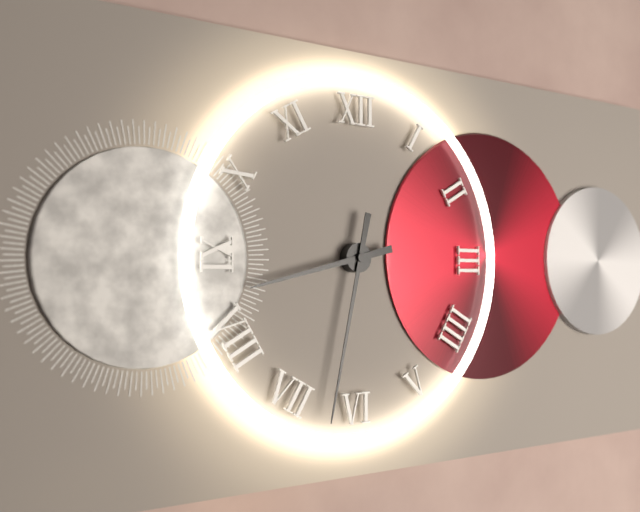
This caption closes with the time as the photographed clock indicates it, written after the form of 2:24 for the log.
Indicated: 8:32
